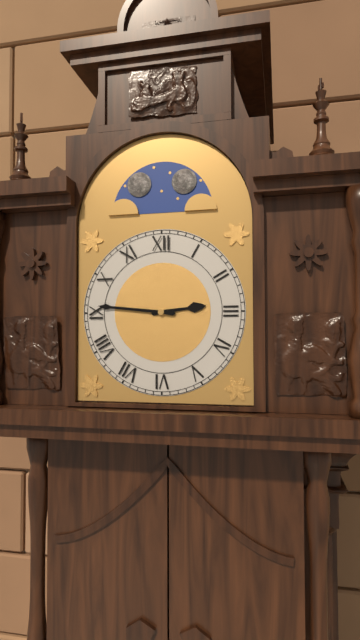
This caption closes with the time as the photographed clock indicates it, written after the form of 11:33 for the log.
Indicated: 2:46
